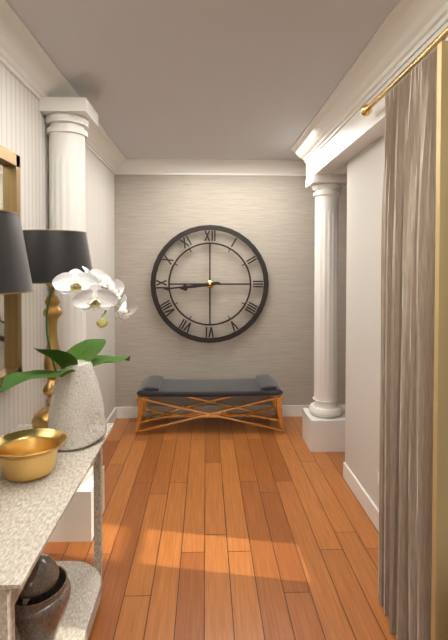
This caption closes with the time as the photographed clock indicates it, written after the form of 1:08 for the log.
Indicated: 8:44
